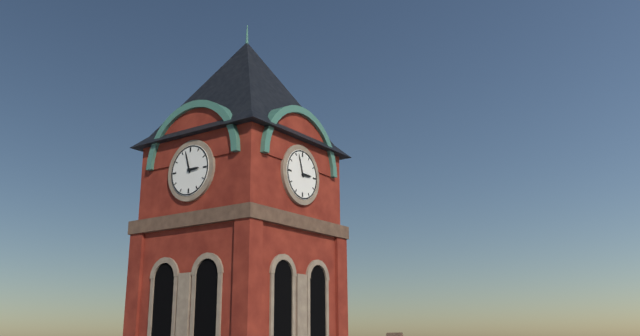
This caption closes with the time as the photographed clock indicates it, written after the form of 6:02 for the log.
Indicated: 2:57
